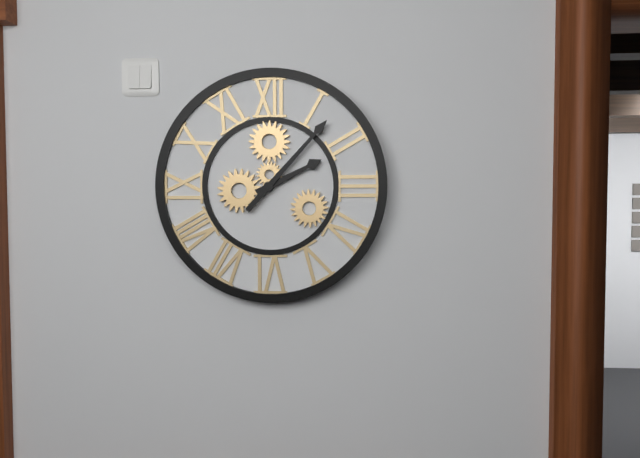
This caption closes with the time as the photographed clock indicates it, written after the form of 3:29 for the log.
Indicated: 2:07
